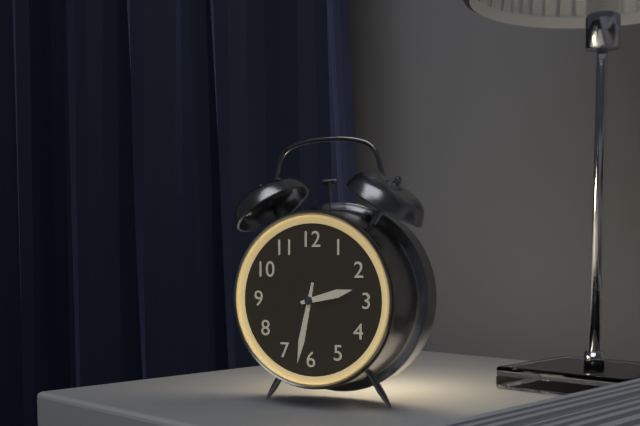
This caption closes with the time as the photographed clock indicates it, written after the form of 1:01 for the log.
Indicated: 2:32
